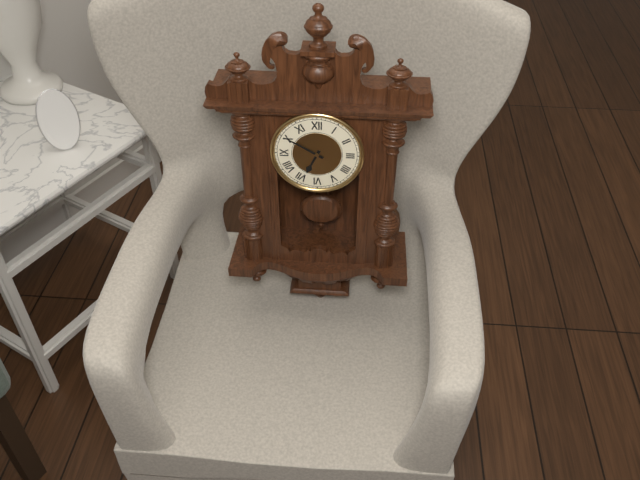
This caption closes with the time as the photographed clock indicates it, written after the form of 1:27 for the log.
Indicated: 6:50
